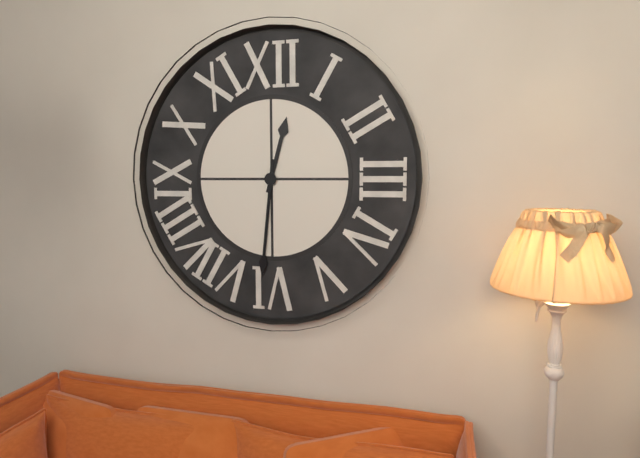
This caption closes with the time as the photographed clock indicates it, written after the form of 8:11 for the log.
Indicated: 12:31
